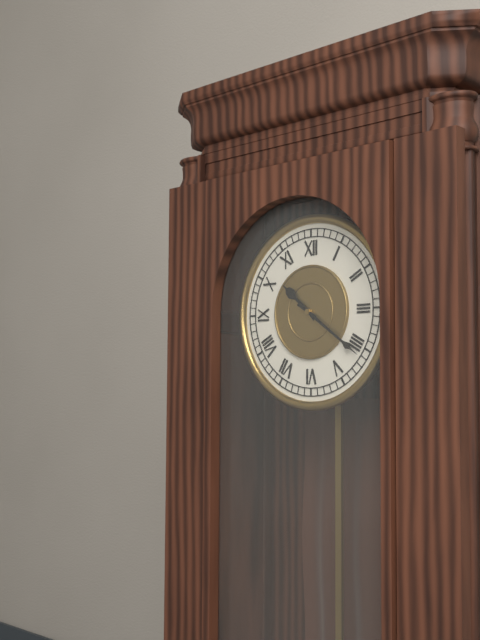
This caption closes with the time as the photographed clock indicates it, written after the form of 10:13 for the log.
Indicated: 10:21
